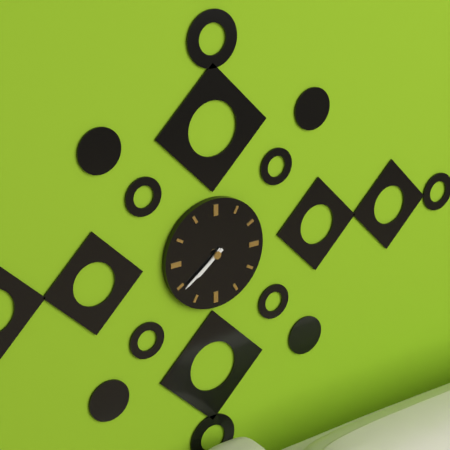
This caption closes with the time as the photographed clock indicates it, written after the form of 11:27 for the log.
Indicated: 7:39
